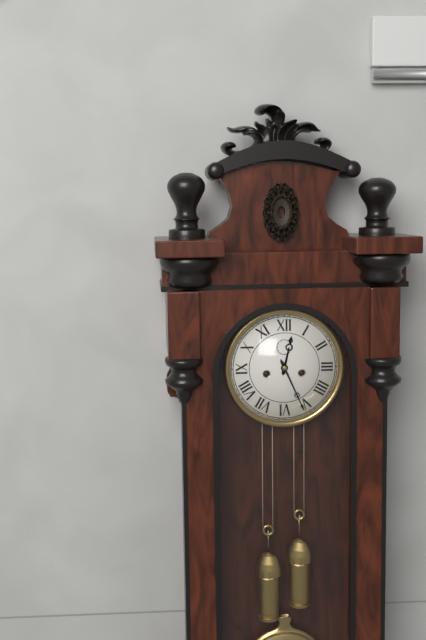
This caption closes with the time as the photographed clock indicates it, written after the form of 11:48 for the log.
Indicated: 12:26
